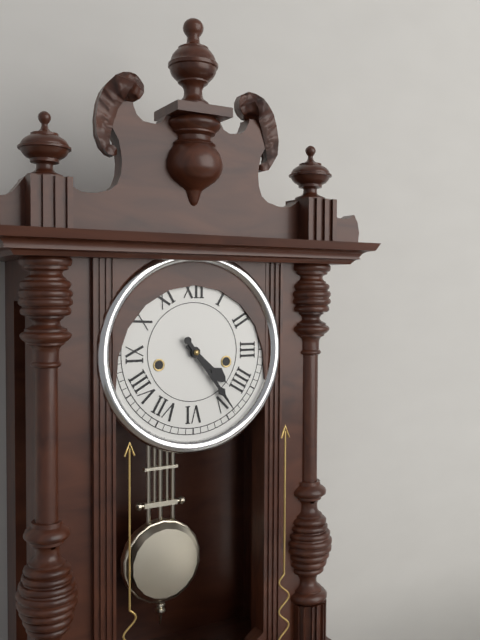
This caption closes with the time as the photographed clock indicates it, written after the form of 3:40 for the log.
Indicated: 4:24
